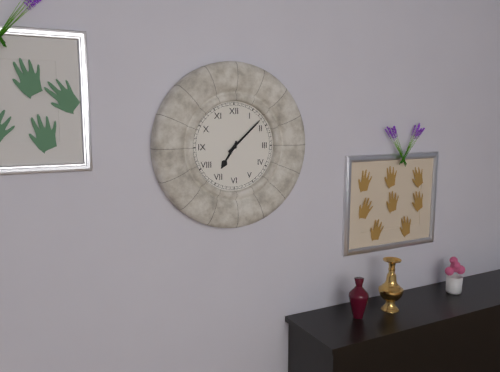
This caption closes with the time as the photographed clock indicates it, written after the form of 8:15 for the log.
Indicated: 7:08
